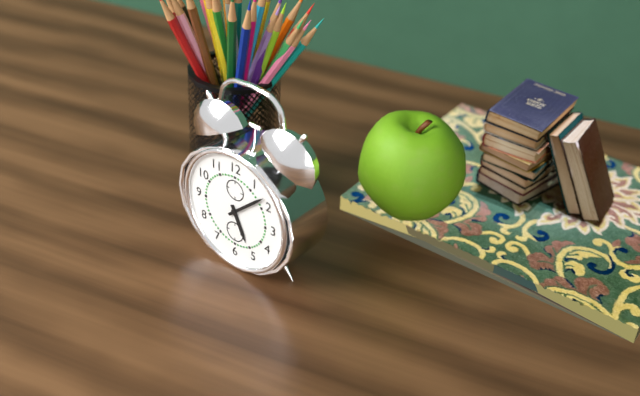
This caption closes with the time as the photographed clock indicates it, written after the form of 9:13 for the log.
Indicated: 5:08
